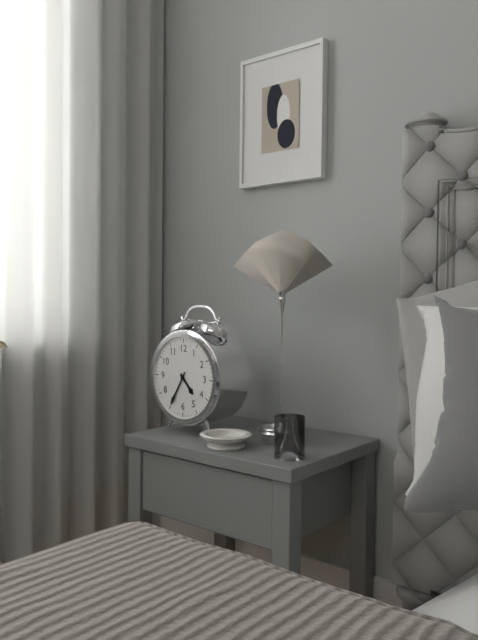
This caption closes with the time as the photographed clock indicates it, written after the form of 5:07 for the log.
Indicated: 4:35
